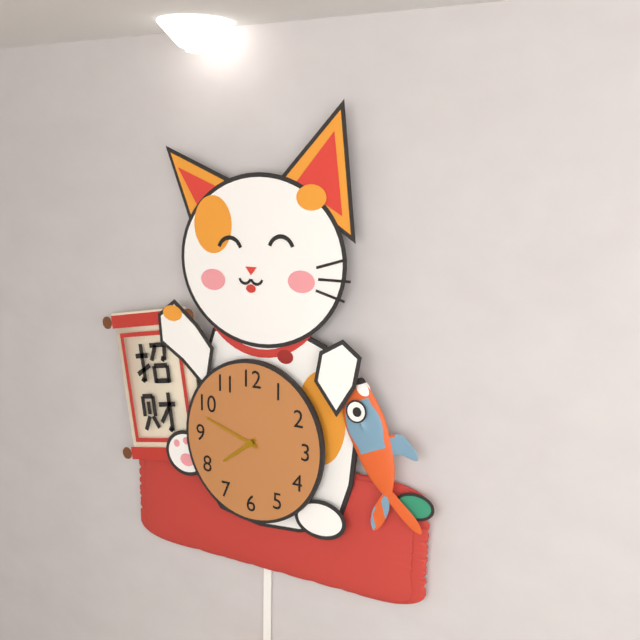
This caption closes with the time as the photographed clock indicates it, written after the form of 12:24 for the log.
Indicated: 7:48
